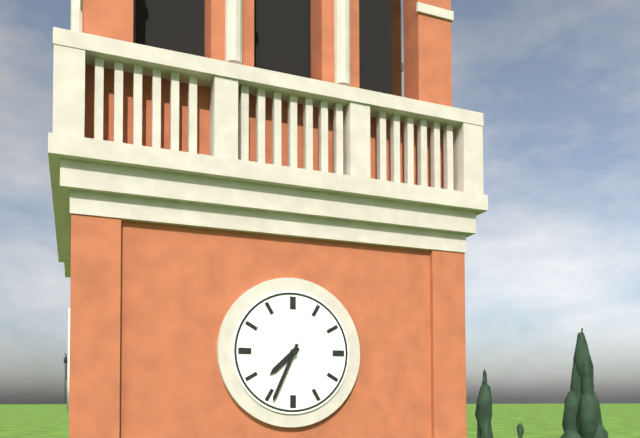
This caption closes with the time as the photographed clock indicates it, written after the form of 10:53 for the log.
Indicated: 7:34
